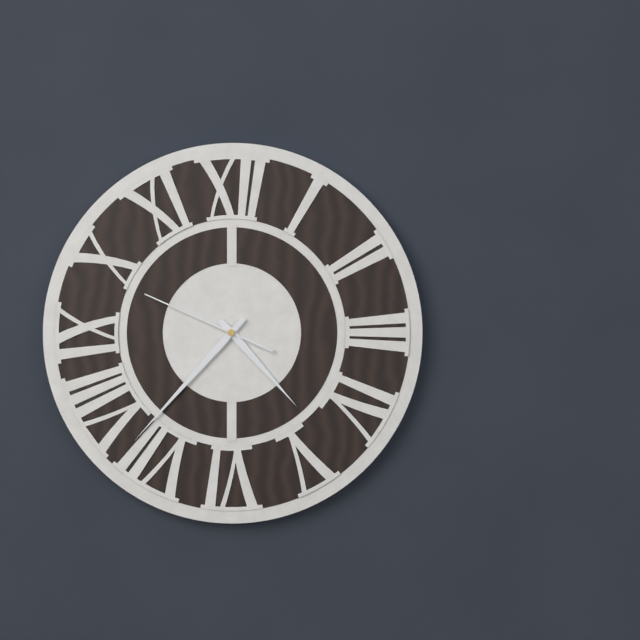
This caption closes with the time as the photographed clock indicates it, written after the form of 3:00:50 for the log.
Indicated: 4:37:49
